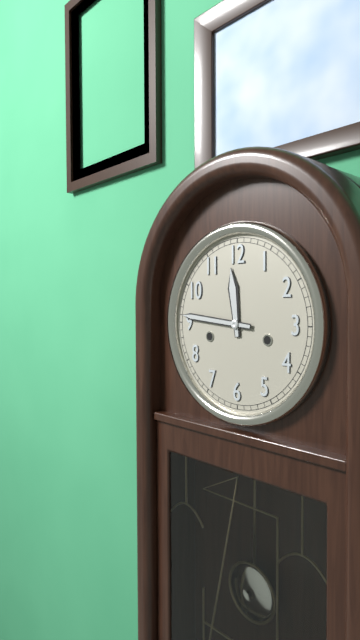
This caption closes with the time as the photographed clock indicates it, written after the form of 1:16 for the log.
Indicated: 11:46
